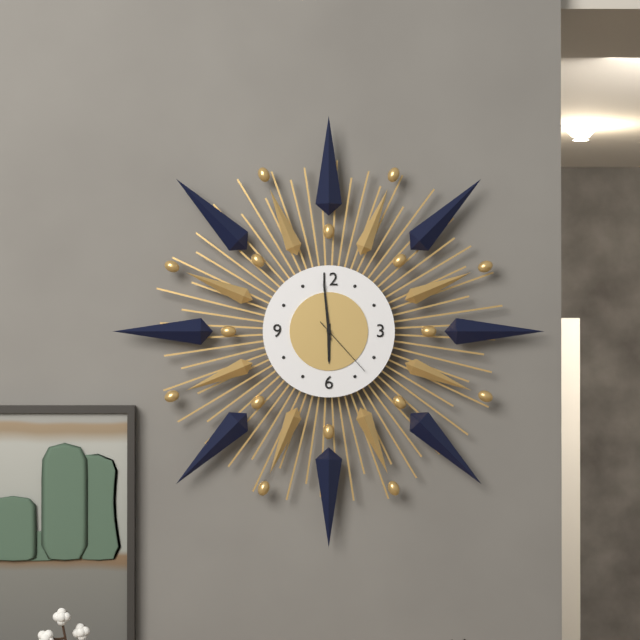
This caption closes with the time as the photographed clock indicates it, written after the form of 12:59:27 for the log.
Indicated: 5:59:23
